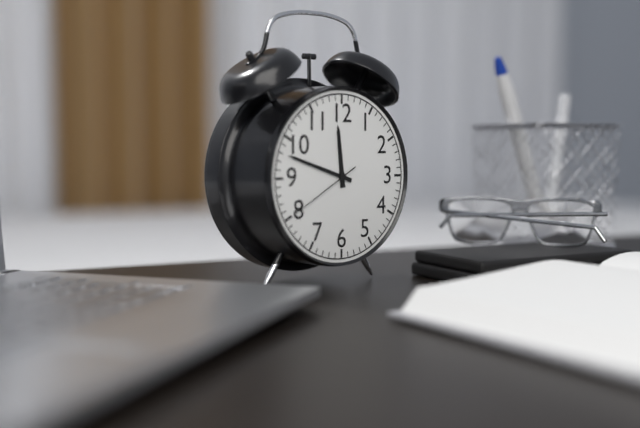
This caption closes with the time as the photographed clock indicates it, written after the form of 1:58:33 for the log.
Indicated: 11:48:40
